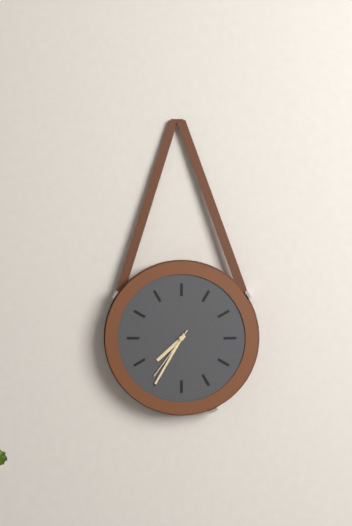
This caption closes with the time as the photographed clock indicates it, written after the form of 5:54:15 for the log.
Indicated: 7:35:36
